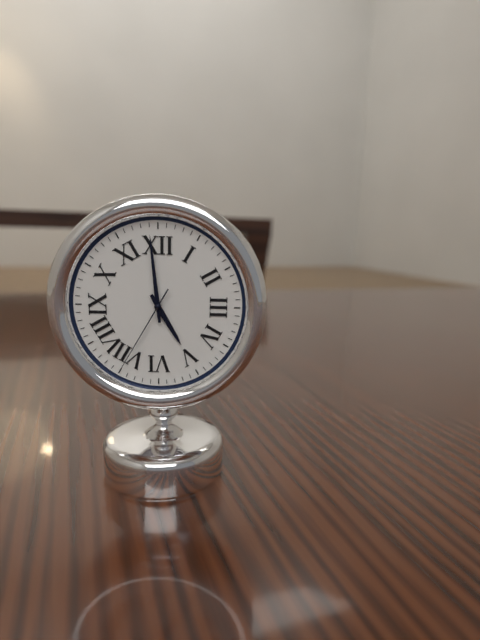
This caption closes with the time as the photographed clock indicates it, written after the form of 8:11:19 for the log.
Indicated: 4:59:35
